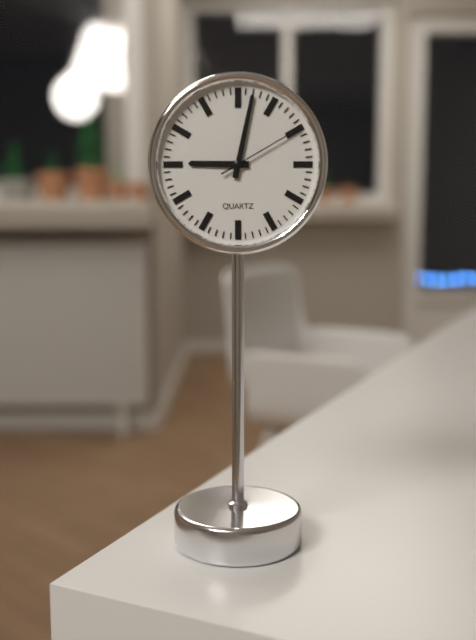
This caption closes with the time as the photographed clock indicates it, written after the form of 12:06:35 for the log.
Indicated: 9:02:10
